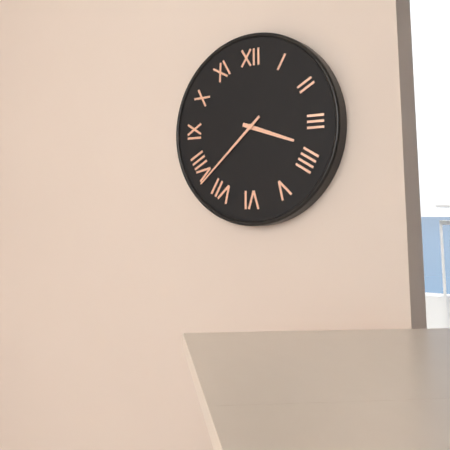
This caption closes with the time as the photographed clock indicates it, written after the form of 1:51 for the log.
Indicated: 3:38
